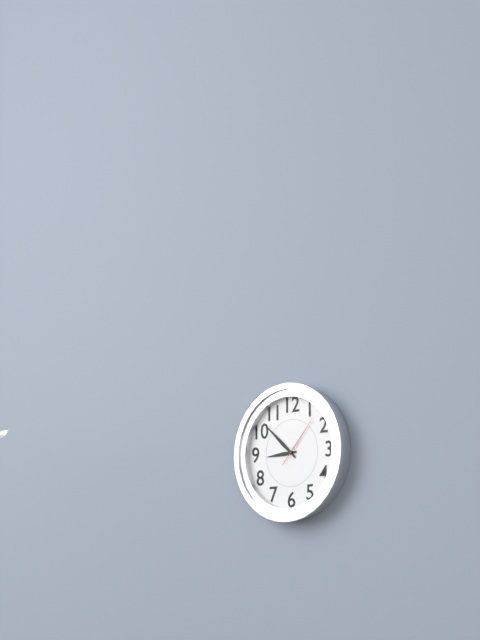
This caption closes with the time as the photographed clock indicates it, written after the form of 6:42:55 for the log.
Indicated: 8:52:07
